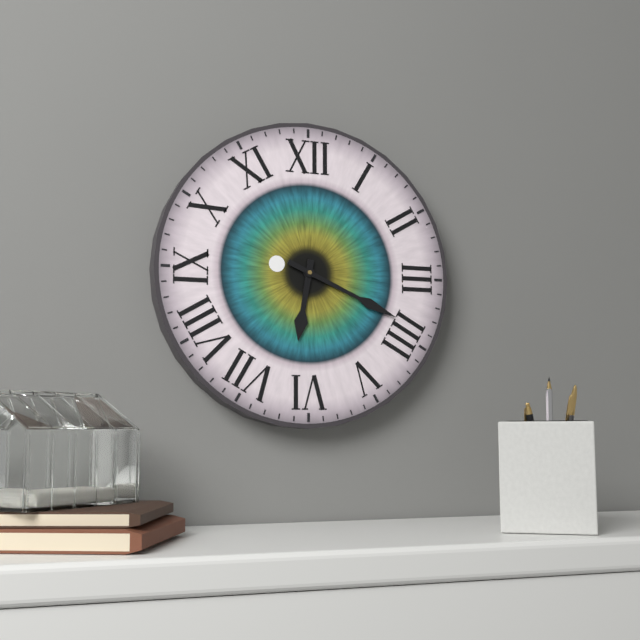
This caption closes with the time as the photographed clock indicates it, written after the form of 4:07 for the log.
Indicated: 6:19
